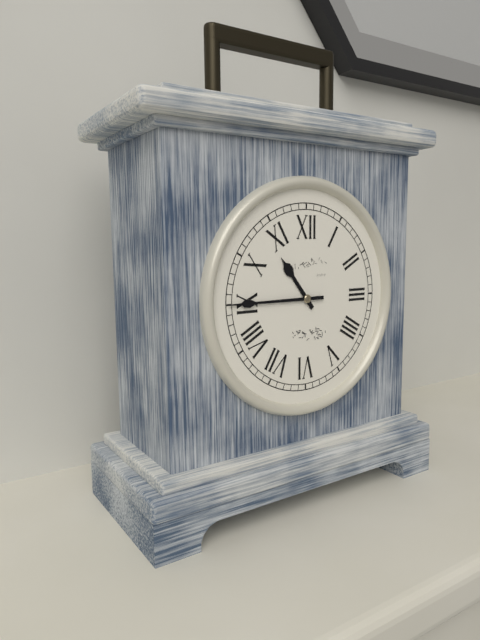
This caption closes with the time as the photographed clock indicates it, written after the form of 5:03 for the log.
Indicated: 10:45
